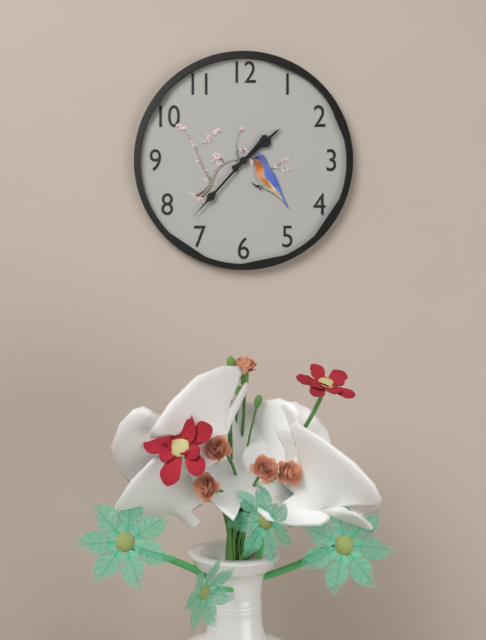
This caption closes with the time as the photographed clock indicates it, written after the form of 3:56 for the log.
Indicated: 1:37
